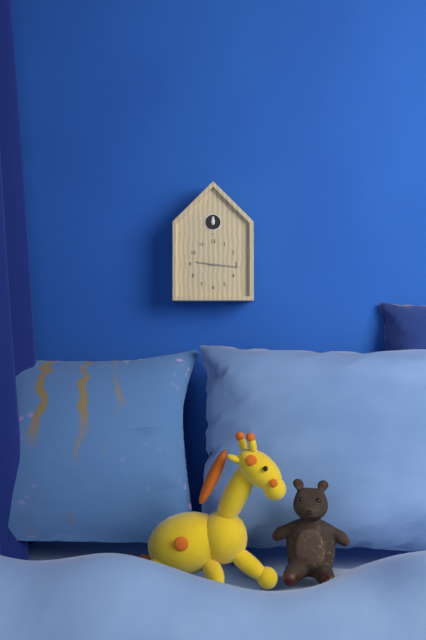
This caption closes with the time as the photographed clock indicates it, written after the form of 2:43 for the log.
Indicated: 9:16
